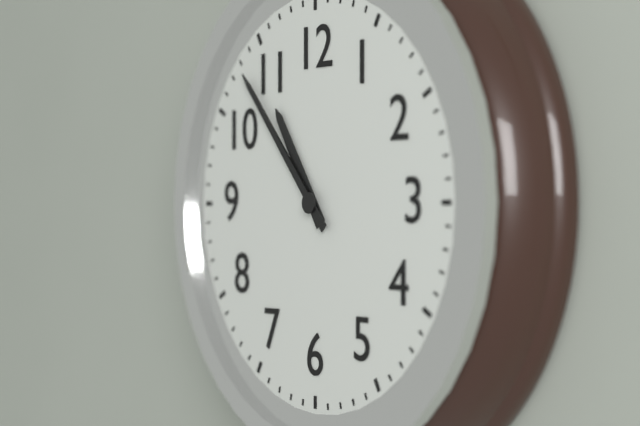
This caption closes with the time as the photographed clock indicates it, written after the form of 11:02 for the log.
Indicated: 10:53
